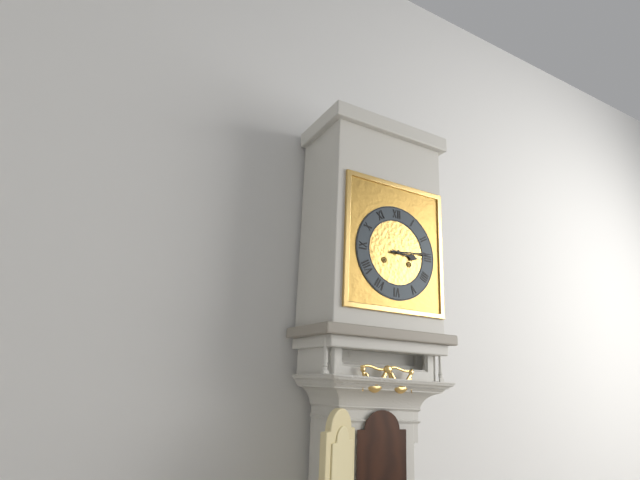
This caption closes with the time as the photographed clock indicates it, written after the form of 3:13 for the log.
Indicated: 3:14
